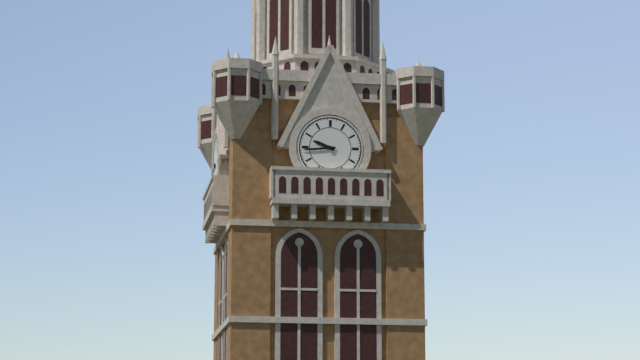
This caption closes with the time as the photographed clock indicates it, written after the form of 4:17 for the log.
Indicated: 9:44
